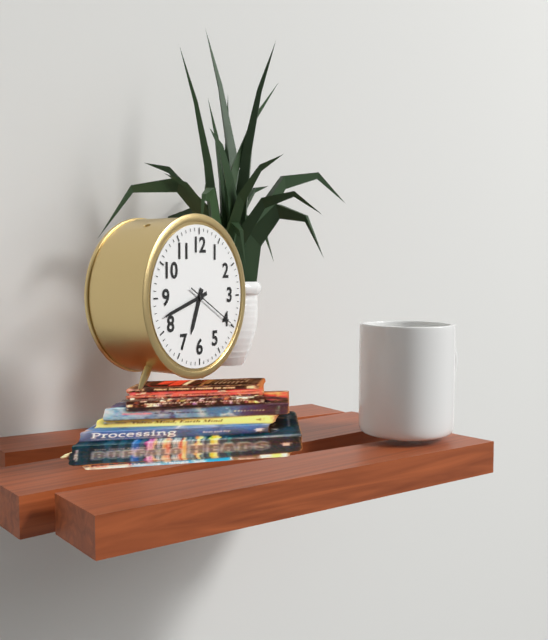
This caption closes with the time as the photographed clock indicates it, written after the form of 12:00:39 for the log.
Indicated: 6:42:20
